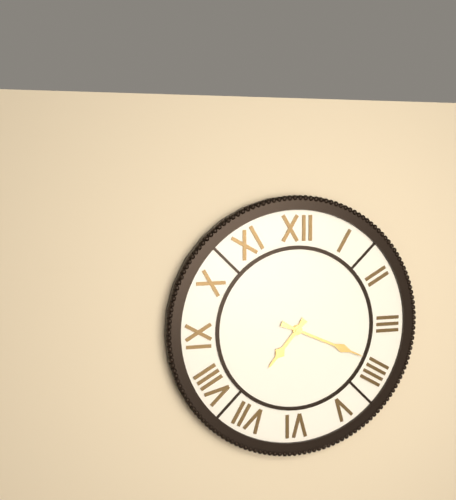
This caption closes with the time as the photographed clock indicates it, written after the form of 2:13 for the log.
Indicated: 7:19
